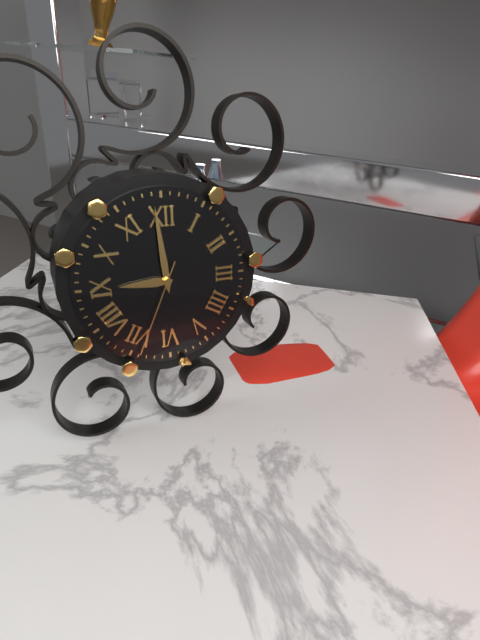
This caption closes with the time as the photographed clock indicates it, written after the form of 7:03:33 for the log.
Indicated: 8:59:34
